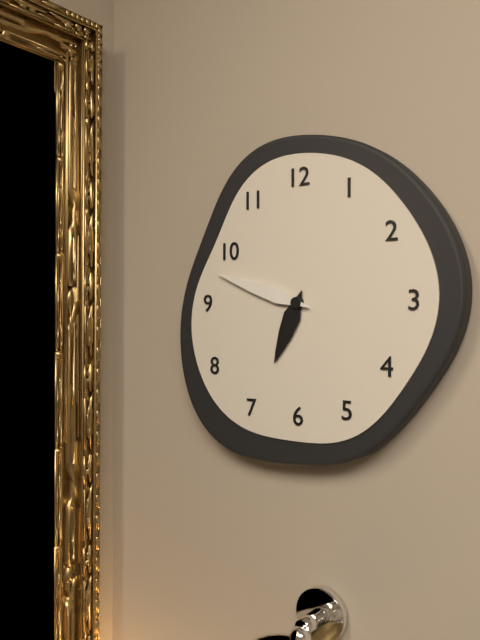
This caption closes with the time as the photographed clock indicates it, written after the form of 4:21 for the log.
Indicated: 6:48
